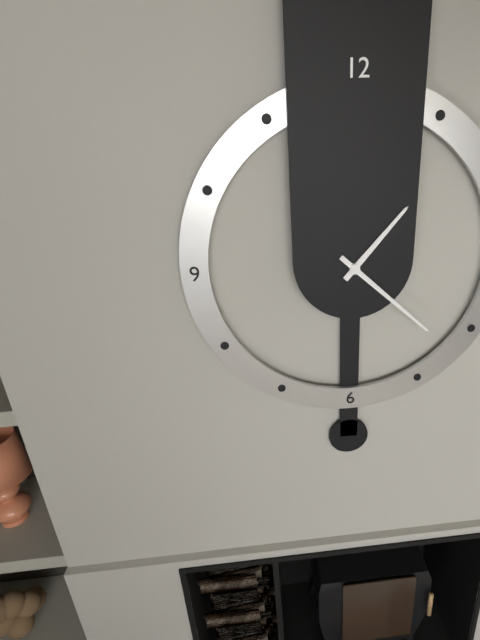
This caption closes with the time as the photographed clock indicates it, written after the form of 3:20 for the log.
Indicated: 1:22
